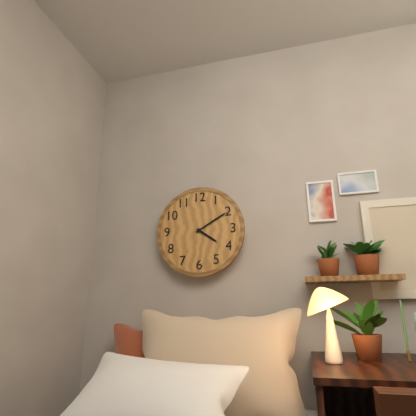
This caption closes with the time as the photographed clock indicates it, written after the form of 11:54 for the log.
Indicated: 4:10
